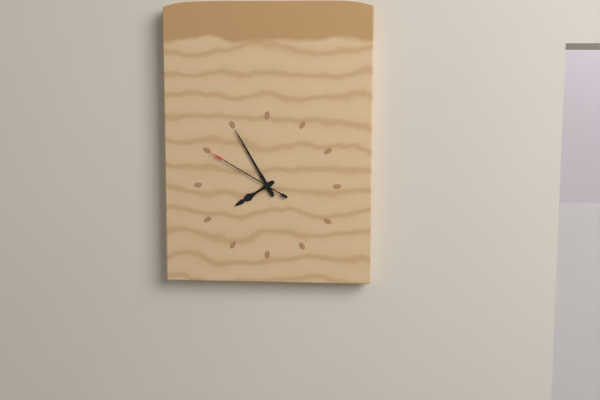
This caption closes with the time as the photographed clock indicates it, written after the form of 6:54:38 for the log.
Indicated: 7:55:50
